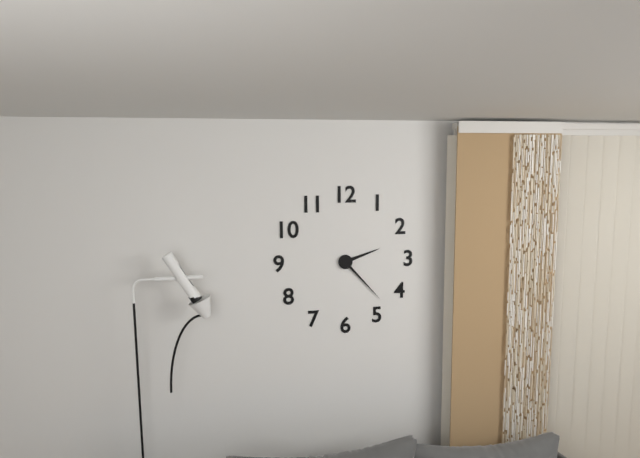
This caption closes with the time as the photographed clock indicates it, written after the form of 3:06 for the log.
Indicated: 2:23
